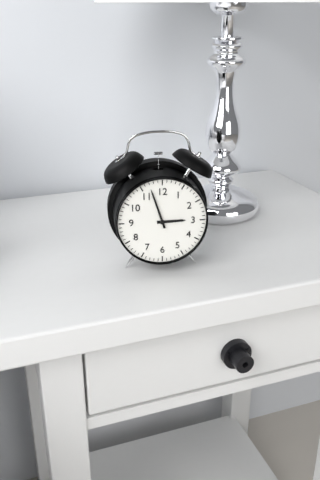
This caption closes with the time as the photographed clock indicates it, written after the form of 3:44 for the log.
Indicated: 2:57
